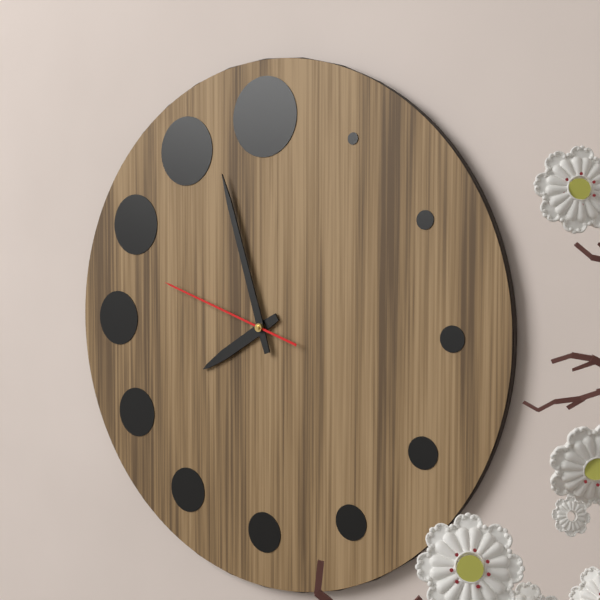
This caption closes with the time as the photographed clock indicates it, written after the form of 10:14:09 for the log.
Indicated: 7:57:48
